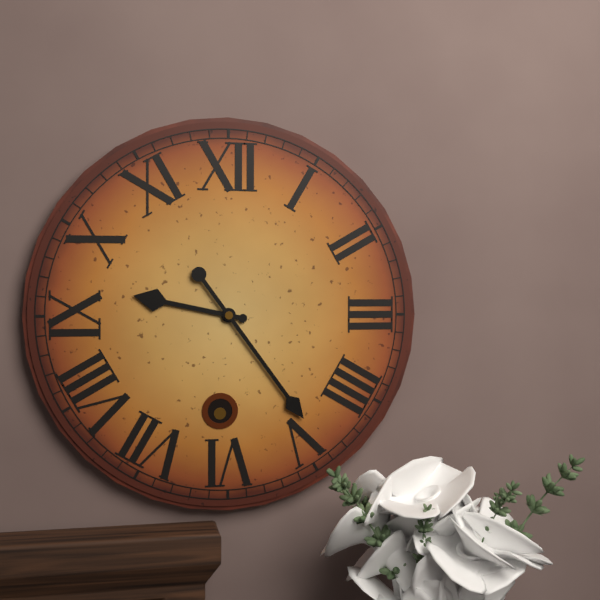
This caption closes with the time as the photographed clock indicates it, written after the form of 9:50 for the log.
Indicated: 9:24
